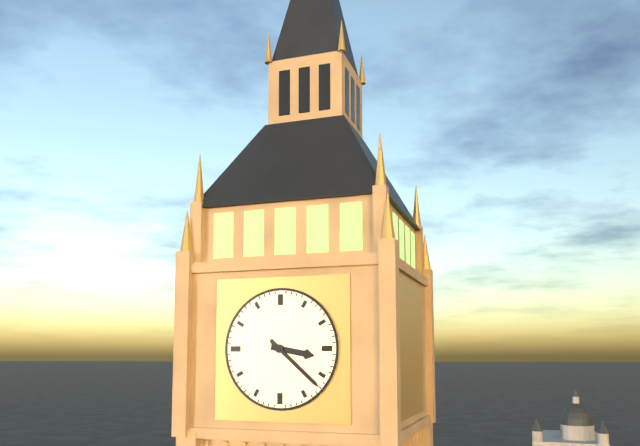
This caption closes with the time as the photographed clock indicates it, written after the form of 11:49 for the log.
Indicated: 3:22
